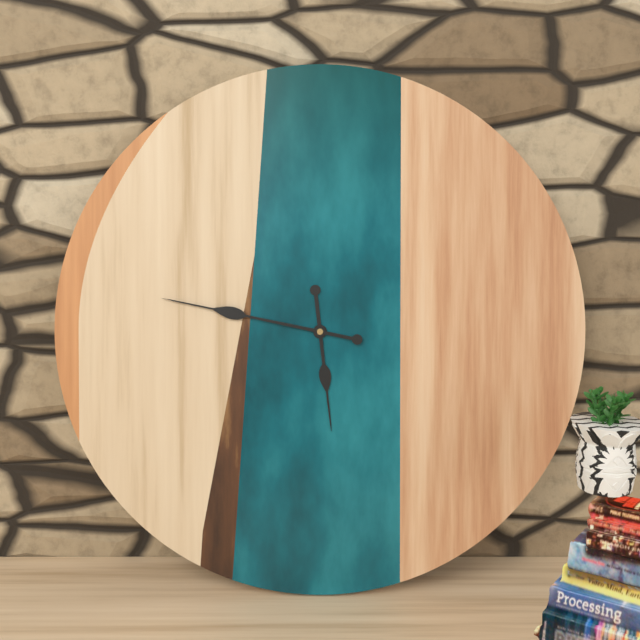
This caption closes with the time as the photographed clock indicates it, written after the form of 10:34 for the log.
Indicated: 5:47
